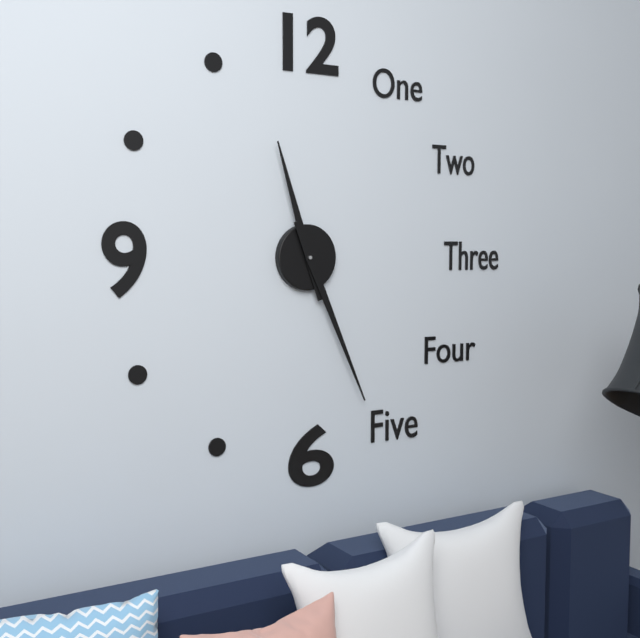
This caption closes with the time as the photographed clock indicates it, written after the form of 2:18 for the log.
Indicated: 11:26
